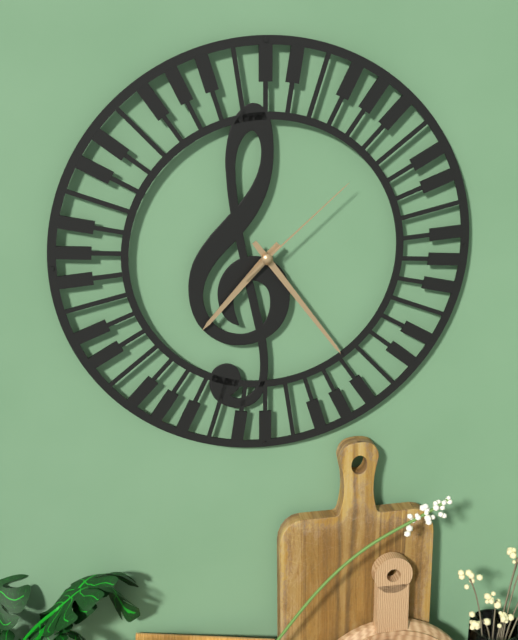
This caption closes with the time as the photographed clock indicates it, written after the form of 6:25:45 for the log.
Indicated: 7:24:08
